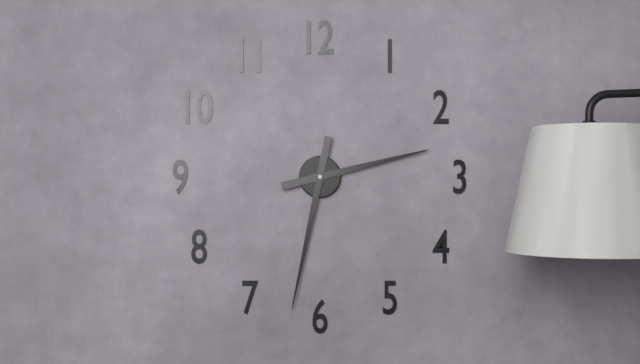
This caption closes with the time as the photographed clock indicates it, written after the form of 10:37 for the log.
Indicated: 2:32
